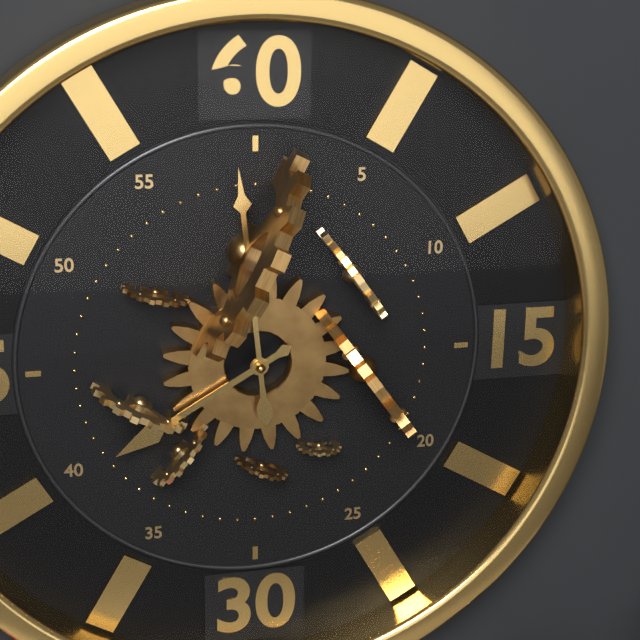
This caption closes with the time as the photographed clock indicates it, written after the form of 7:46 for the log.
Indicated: 7:59
